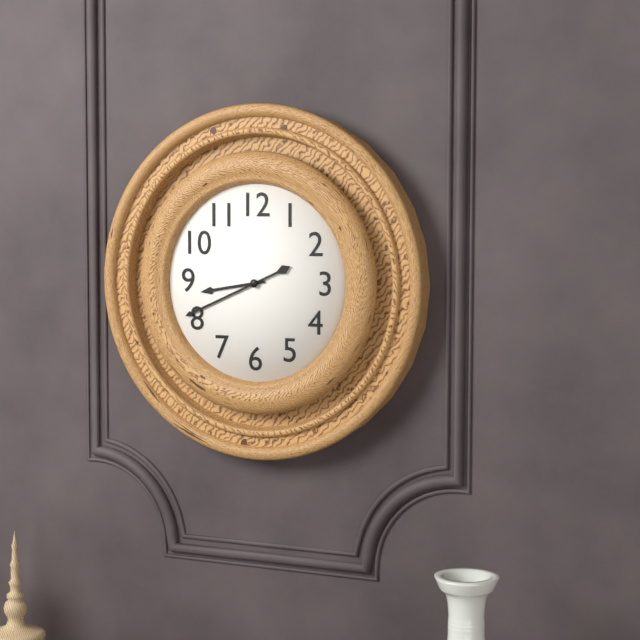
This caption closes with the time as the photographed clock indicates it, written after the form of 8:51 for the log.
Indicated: 8:41
